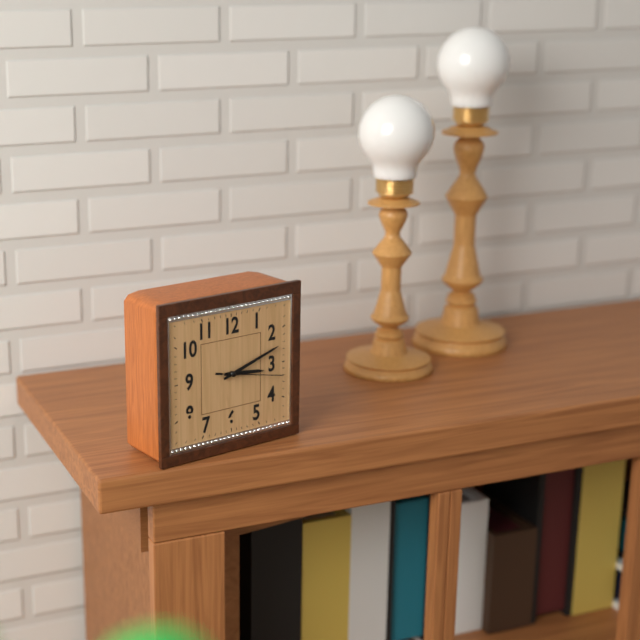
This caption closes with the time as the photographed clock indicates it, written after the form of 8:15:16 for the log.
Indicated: 3:12:17
